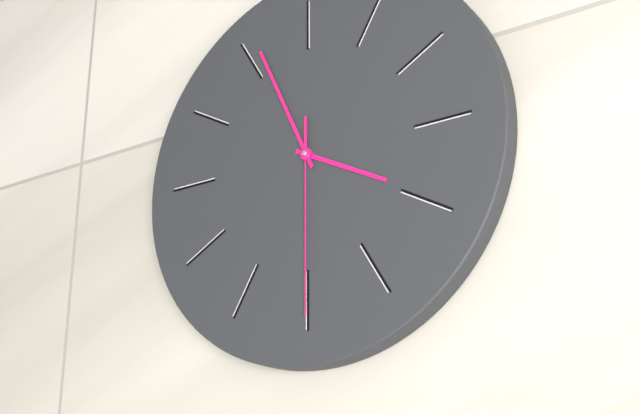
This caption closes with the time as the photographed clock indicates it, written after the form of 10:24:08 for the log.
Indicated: 3:56:30
